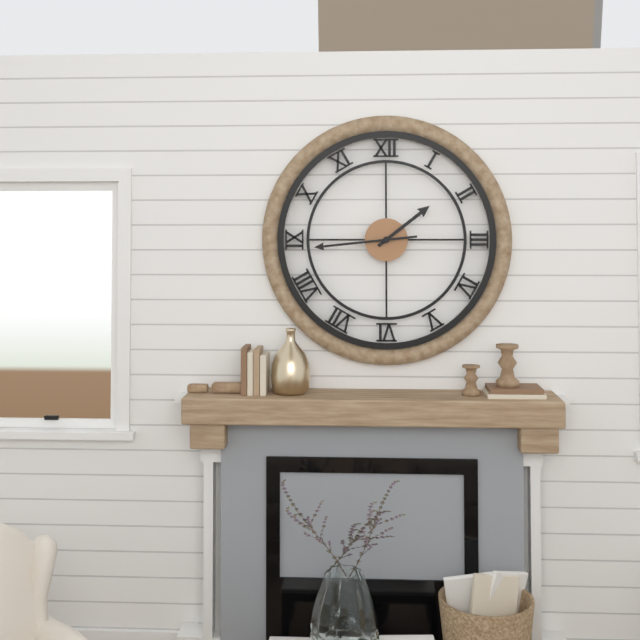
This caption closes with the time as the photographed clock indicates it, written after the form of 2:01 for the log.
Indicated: 1:44
